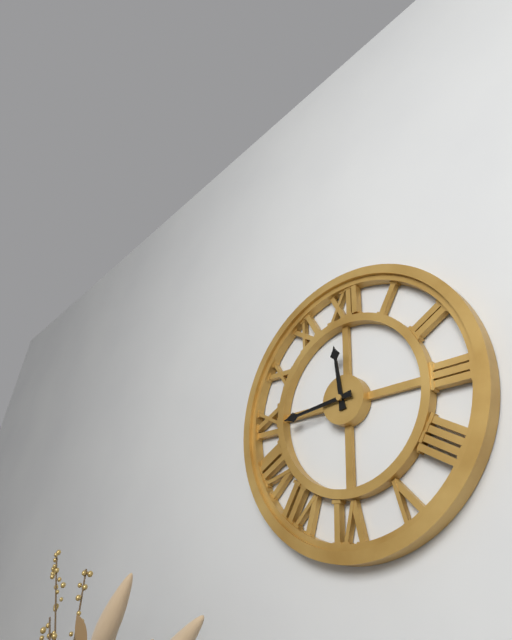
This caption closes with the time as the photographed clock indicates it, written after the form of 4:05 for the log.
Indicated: 11:44
